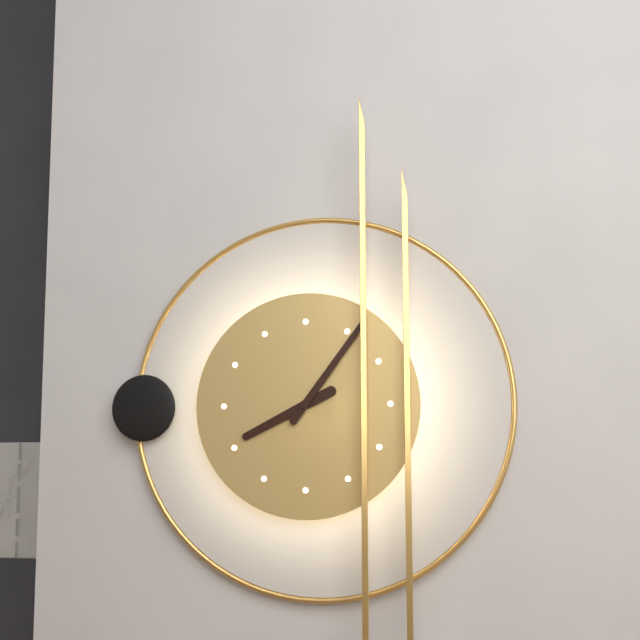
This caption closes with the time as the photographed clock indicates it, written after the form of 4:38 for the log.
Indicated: 8:06
